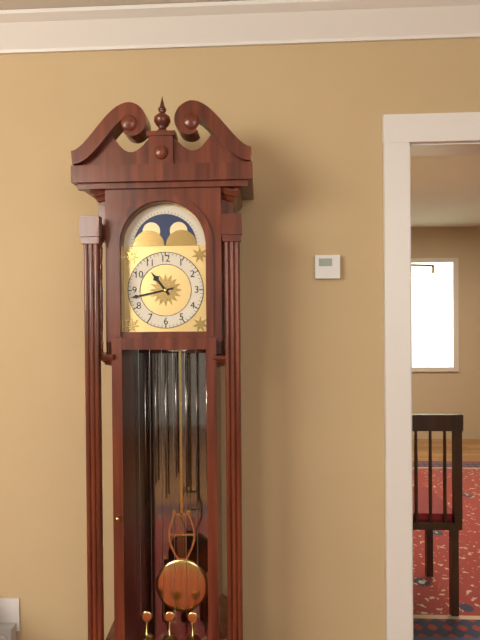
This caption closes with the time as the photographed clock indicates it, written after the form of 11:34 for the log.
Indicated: 10:43
